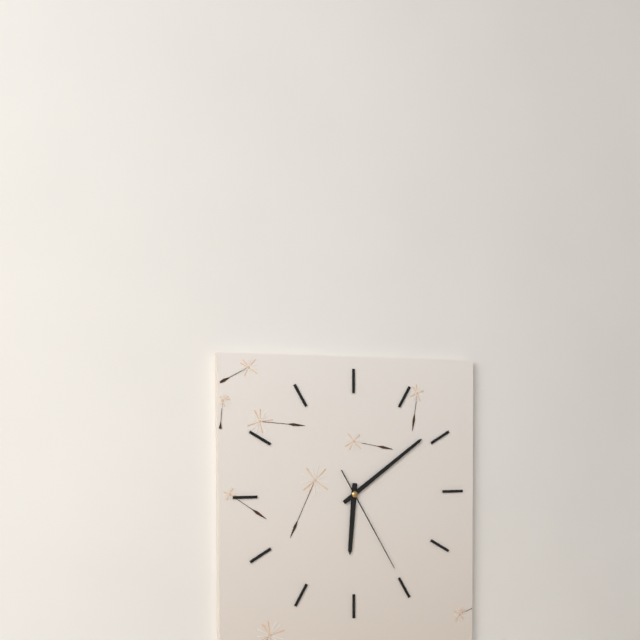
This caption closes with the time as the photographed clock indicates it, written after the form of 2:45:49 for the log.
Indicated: 6:09:25
